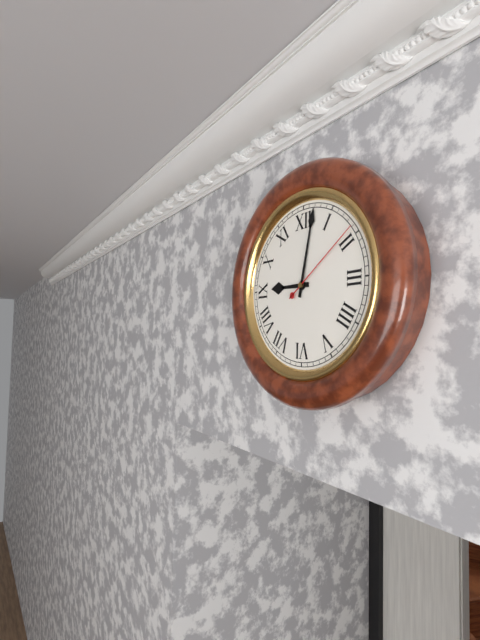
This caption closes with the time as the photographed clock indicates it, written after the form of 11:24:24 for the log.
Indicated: 9:02:09
